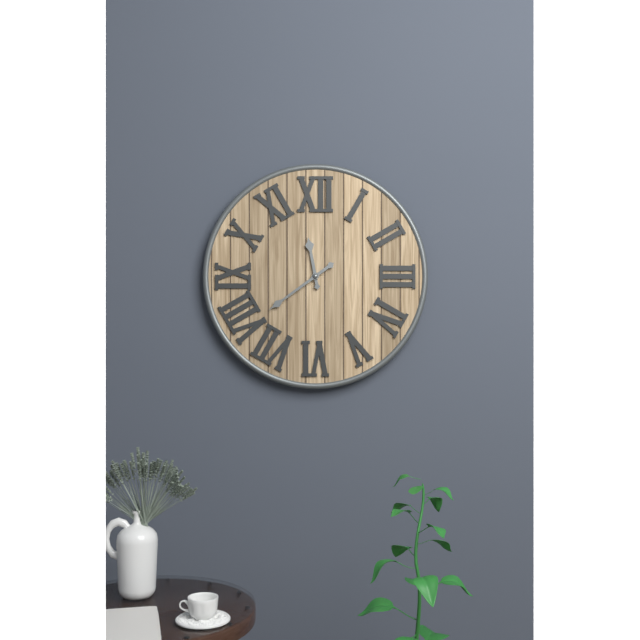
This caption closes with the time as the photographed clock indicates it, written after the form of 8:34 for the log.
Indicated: 11:39
